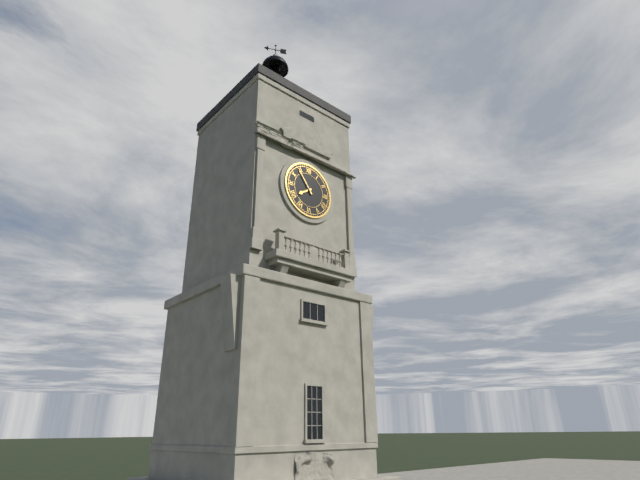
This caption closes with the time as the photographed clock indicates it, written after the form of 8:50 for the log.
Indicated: 7:54
